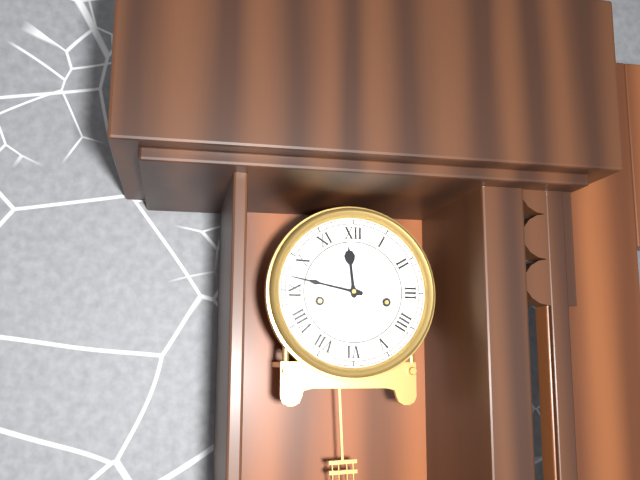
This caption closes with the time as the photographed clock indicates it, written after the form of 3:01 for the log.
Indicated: 11:47
